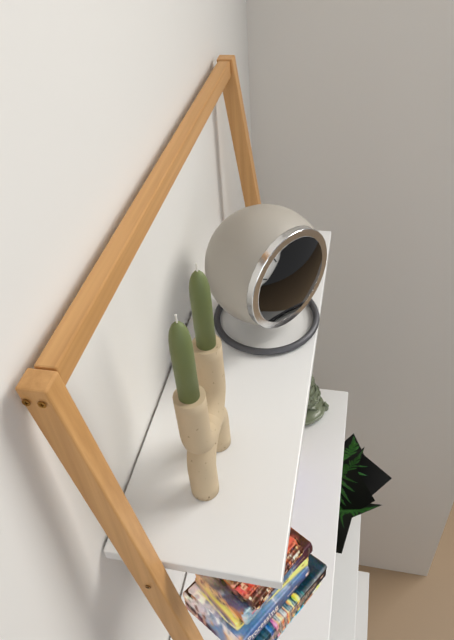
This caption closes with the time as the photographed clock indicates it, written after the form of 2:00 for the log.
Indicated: 10:11
